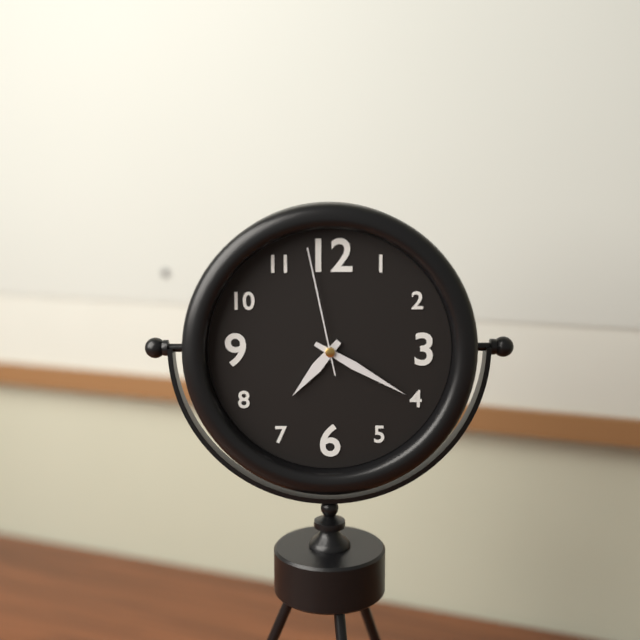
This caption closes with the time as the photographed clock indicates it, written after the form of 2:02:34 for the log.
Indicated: 7:20:58
